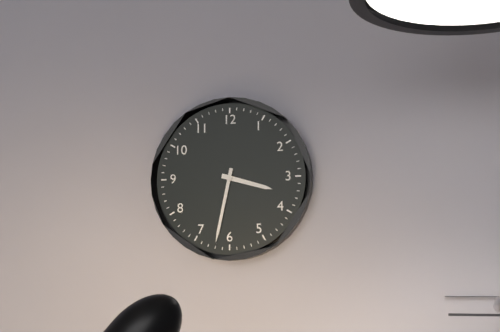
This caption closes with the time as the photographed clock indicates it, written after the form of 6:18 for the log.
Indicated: 3:32
